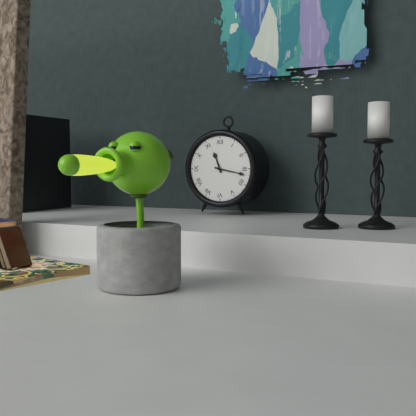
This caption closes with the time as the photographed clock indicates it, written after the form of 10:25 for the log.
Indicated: 11:17
